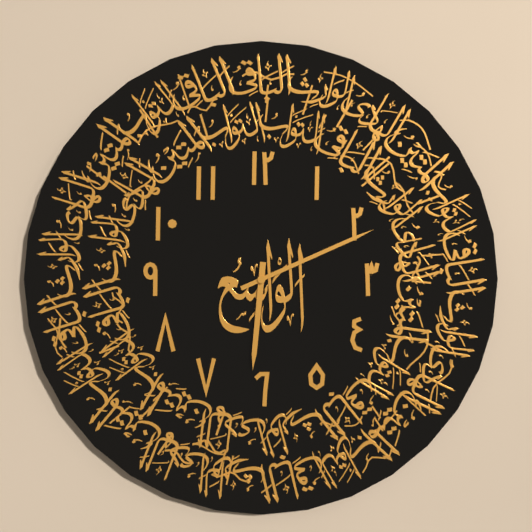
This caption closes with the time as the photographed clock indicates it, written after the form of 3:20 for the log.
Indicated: 6:11
